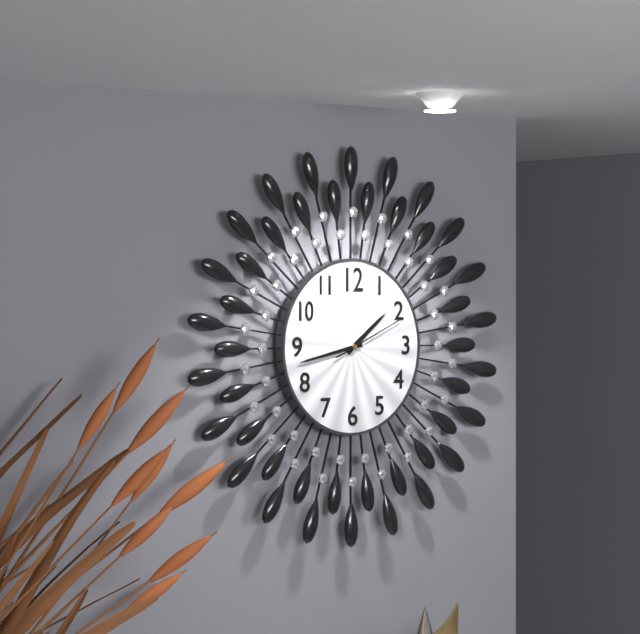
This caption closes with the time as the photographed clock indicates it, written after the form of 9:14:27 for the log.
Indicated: 1:43:11
